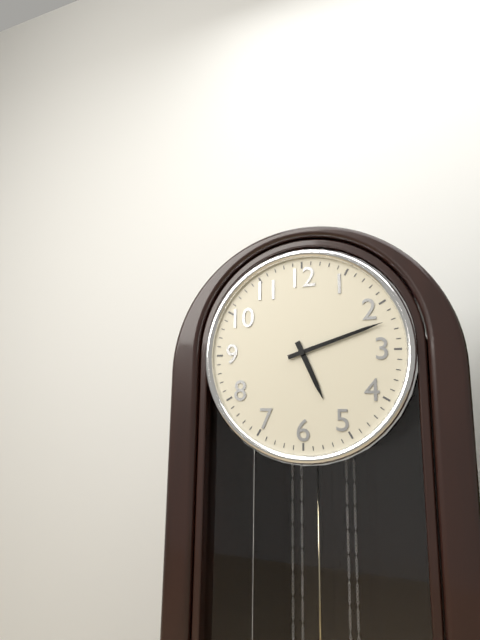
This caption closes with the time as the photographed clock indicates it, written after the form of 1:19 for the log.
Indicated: 5:12
